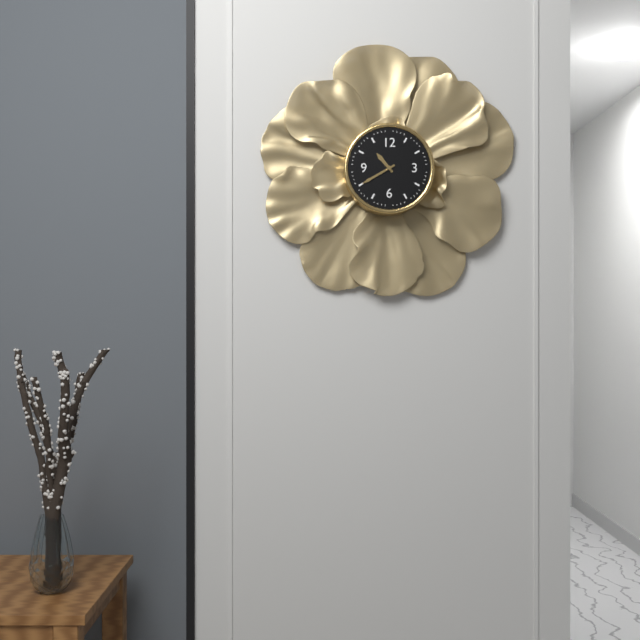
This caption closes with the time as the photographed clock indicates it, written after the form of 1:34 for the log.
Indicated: 10:40
